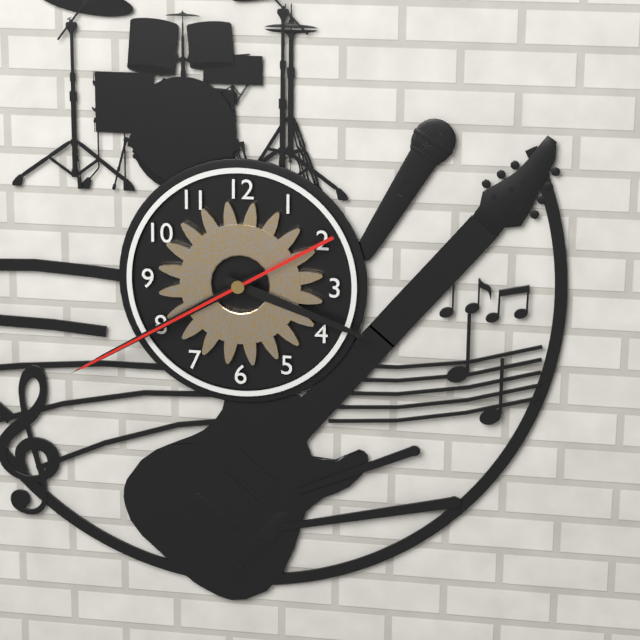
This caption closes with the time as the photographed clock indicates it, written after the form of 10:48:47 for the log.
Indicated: 3:40:40
